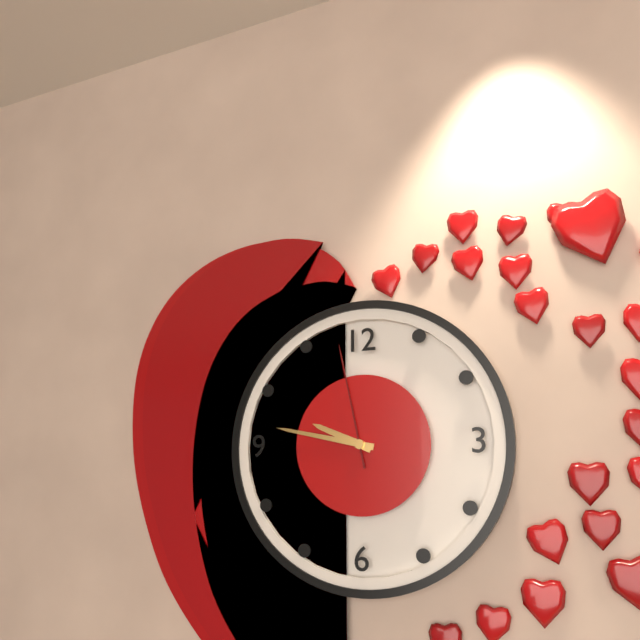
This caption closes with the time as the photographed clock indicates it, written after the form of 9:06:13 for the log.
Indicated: 9:47:58
